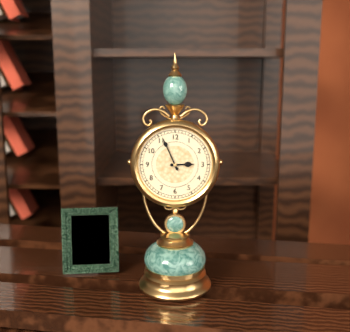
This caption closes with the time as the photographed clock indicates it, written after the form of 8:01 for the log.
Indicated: 2:56
